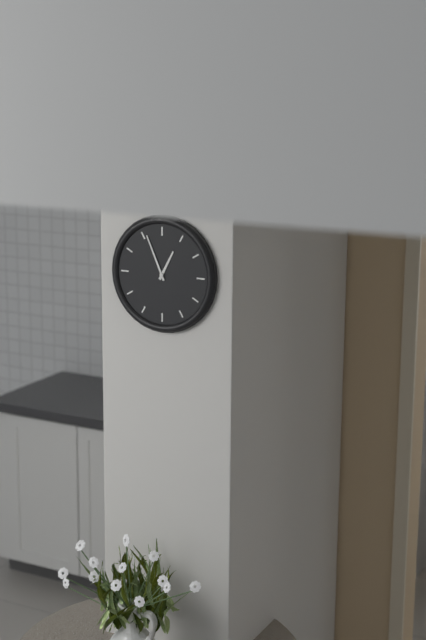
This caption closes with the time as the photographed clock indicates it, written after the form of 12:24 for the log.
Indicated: 12:56
